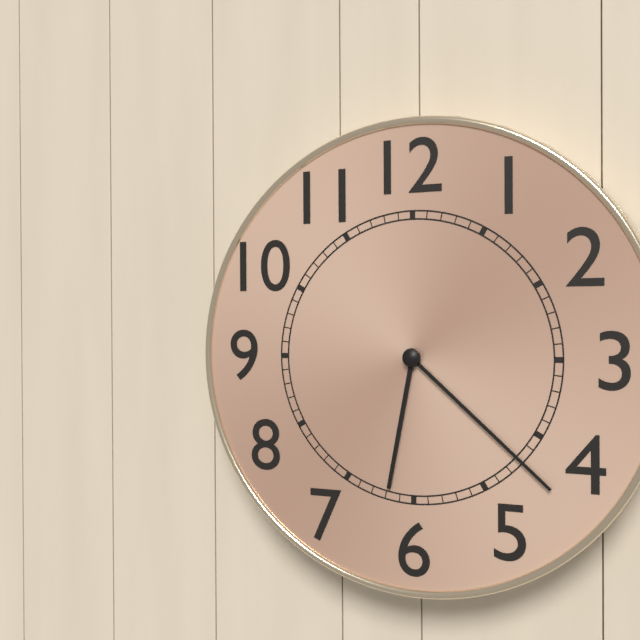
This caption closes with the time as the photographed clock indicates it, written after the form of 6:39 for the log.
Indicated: 6:22
